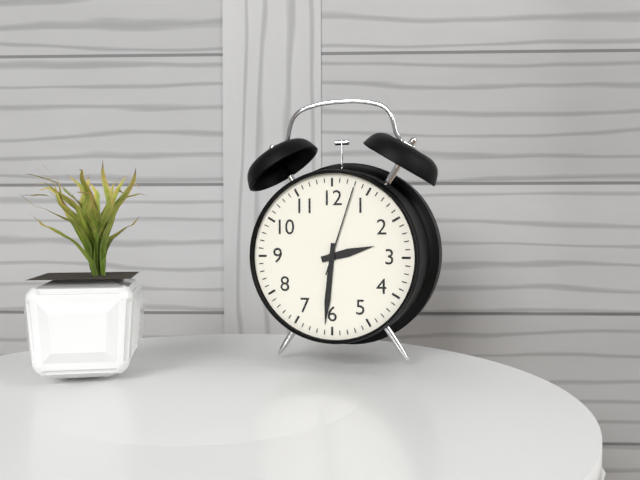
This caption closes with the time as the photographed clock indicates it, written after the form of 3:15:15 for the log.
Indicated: 2:31:03
